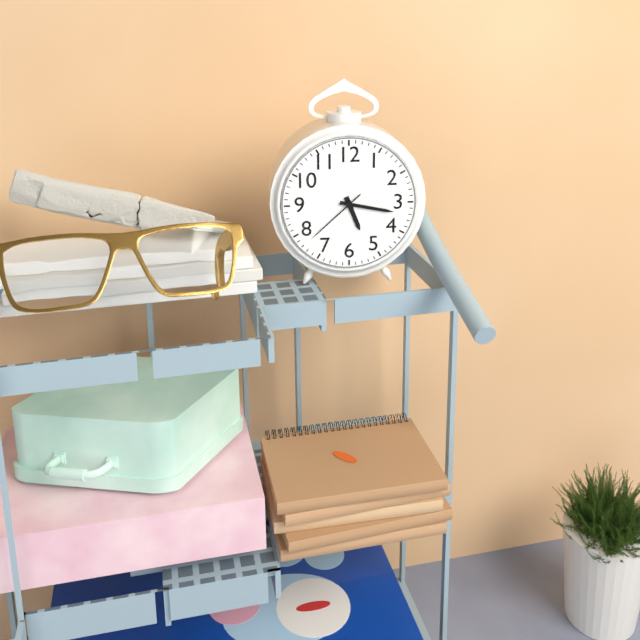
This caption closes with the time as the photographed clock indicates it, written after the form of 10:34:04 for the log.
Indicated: 5:17:38
